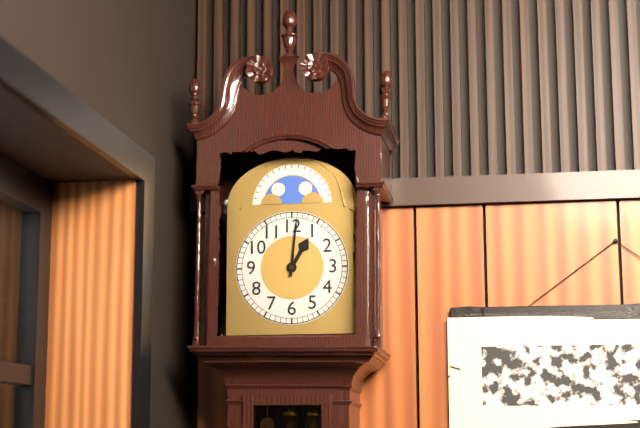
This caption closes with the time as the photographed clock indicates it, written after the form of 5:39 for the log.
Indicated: 1:01
